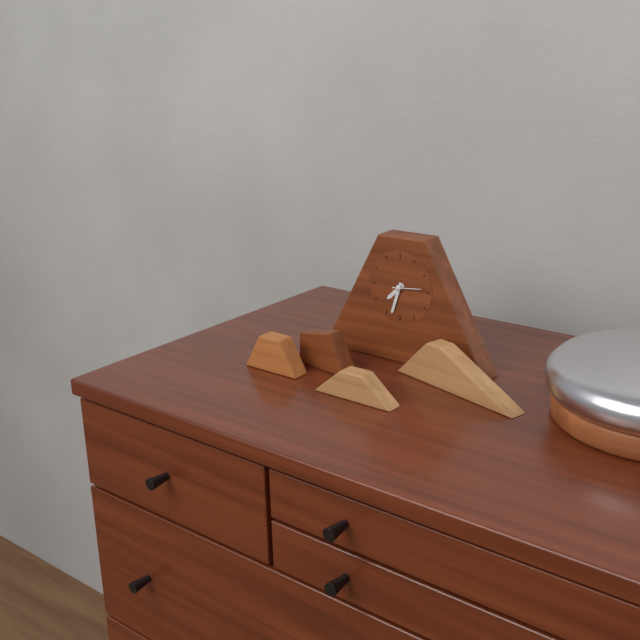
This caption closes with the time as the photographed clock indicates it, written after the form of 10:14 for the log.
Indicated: 7:33
